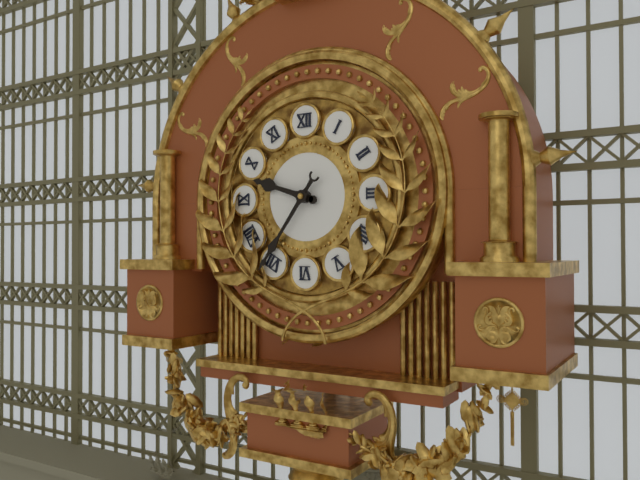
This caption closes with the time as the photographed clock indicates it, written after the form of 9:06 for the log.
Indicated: 9:36
